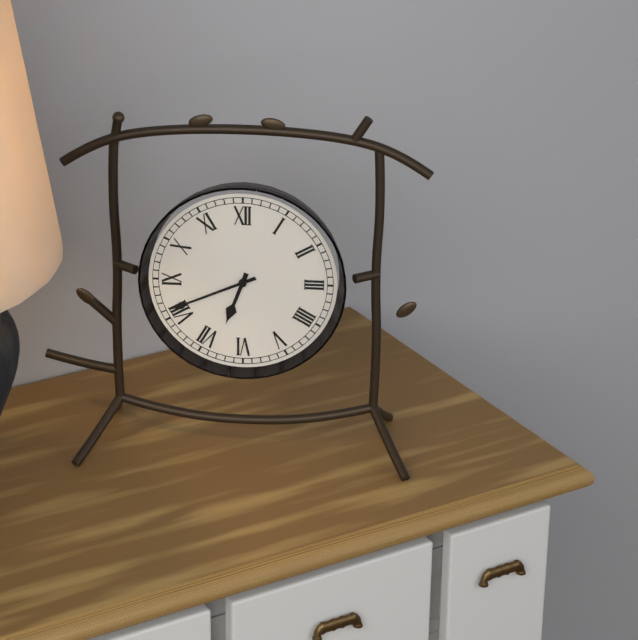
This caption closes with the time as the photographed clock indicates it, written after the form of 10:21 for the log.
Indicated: 6:41
